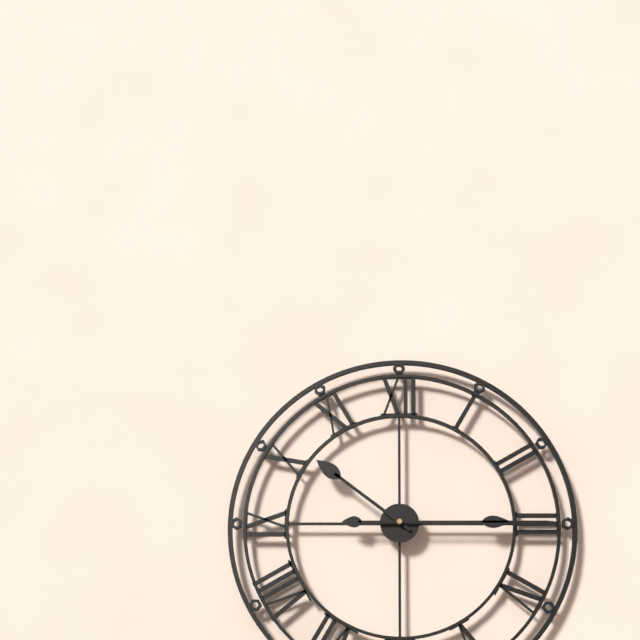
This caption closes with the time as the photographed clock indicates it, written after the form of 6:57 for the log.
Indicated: 10:15
